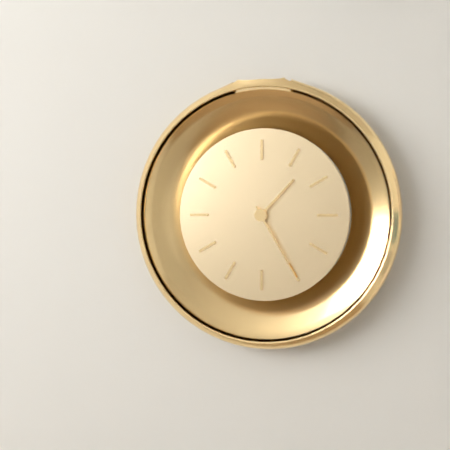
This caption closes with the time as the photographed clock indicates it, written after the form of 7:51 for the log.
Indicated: 1:25
